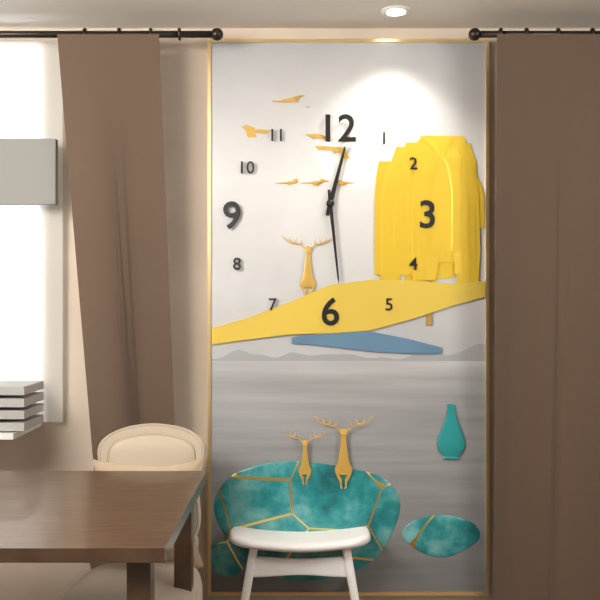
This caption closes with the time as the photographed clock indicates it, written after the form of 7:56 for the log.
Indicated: 12:29
